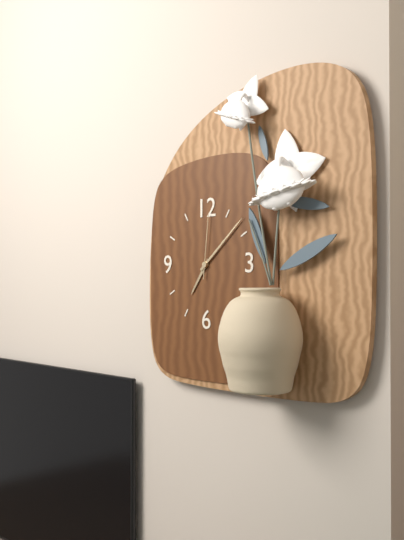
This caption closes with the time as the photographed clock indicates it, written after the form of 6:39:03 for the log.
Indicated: 7:08:01
